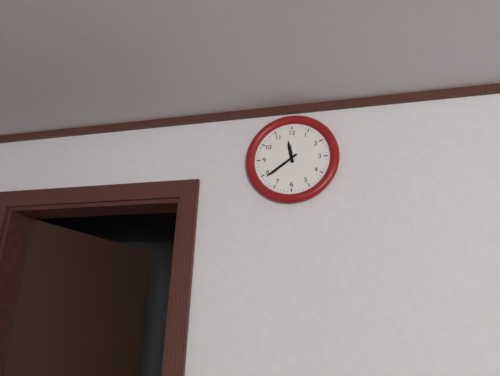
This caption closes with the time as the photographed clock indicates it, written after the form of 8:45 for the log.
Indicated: 11:39
